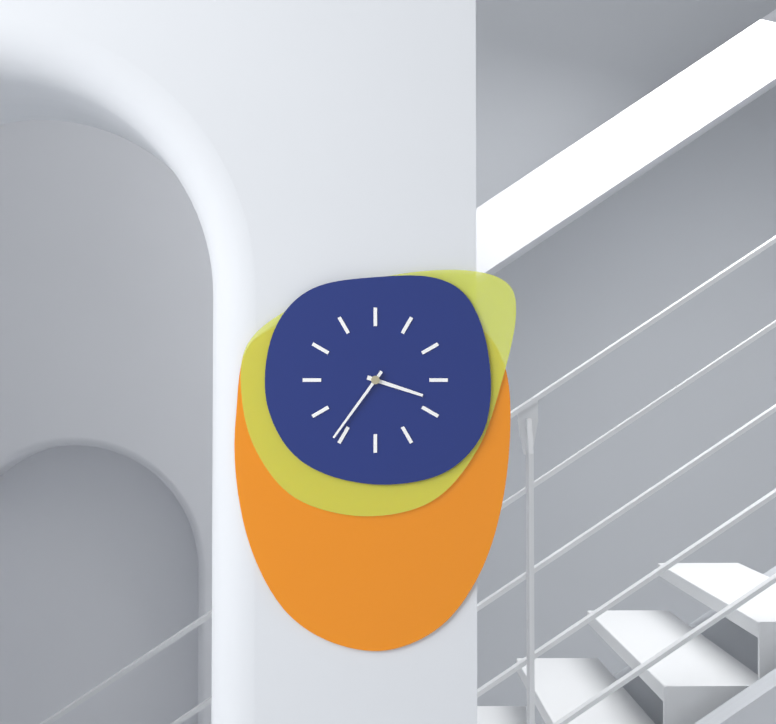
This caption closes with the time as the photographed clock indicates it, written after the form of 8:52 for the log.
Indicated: 3:36
